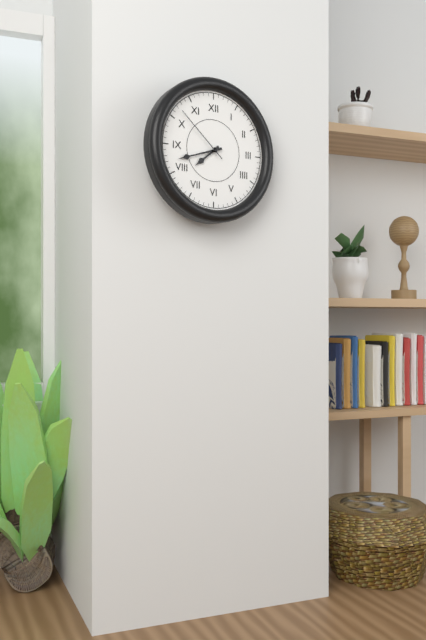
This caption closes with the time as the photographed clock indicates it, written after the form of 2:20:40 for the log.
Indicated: 7:42:52
